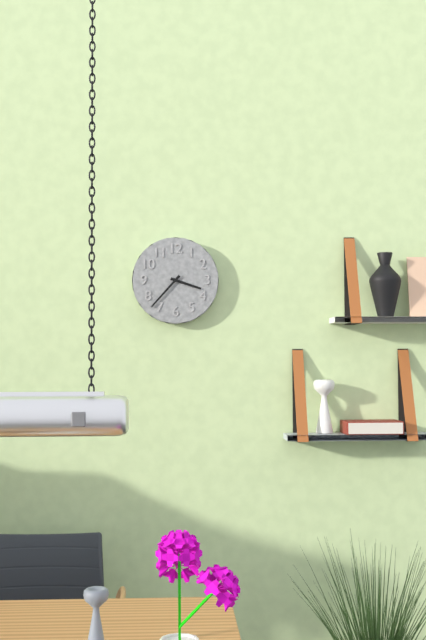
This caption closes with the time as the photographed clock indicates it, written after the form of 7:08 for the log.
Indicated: 3:37
